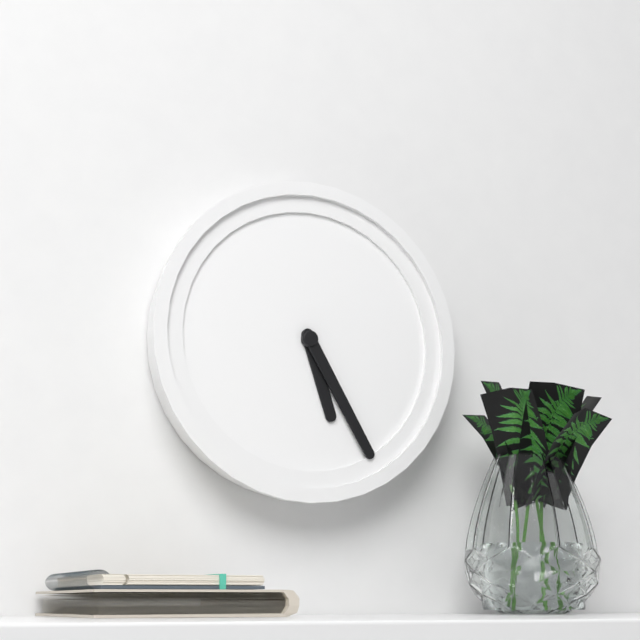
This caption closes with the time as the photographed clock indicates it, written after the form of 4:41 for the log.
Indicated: 5:25
